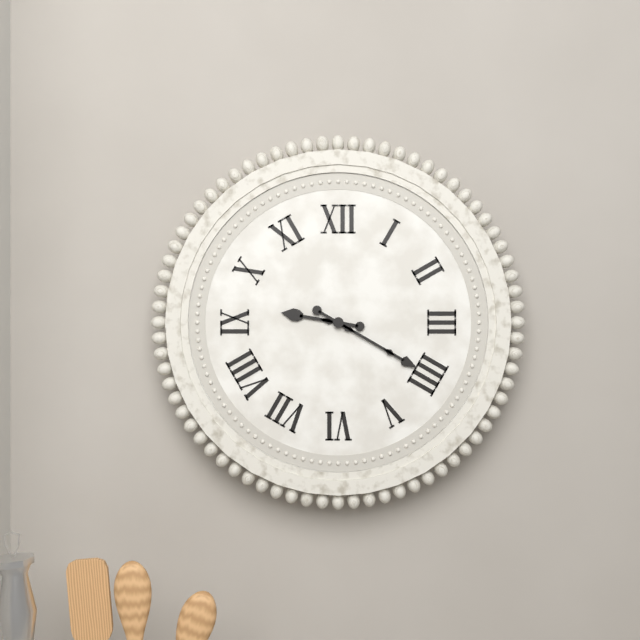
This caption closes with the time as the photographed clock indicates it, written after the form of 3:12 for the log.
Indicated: 9:20
